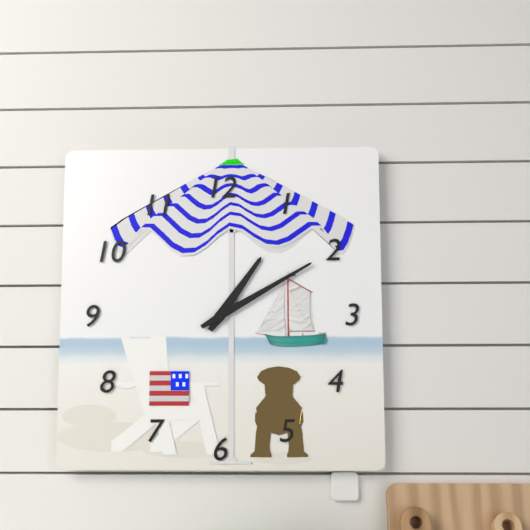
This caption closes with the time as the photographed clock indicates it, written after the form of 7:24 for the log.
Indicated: 1:10
